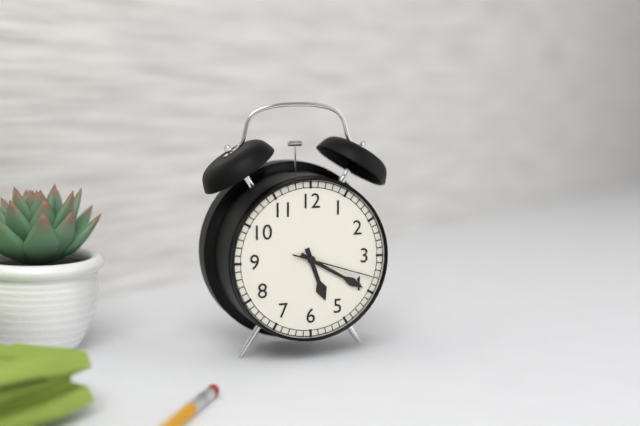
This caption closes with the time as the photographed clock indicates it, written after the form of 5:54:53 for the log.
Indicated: 5:20:18
